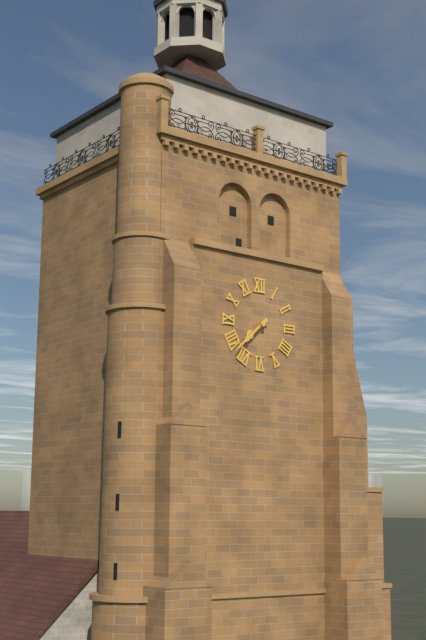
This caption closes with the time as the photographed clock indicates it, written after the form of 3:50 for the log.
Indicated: 7:38
